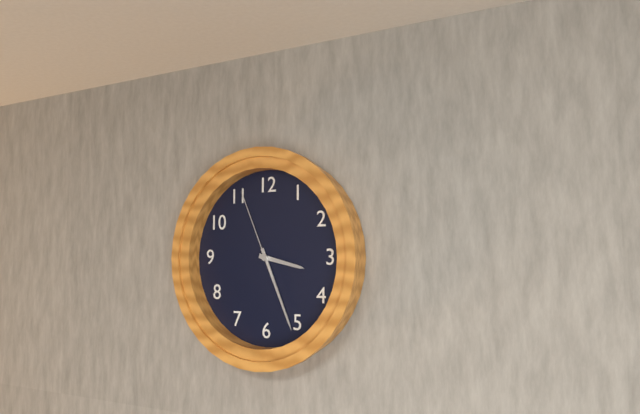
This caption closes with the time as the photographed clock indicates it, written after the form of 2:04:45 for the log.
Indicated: 3:26:56
